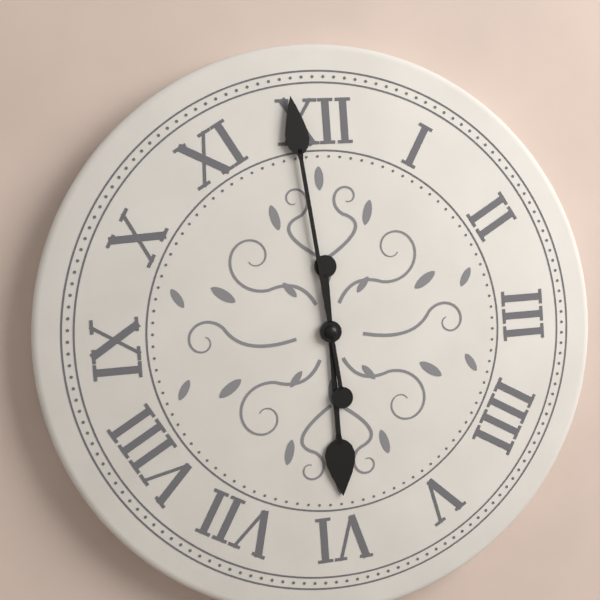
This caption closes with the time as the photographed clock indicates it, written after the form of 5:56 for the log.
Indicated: 5:59
